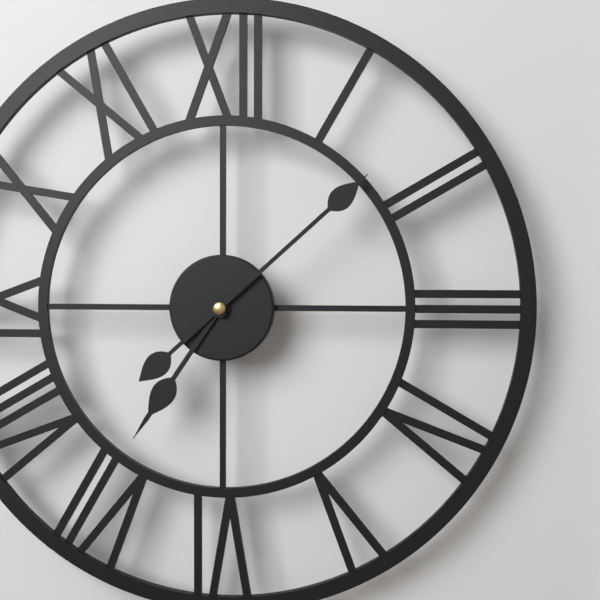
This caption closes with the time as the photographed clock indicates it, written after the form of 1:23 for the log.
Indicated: 7:08
